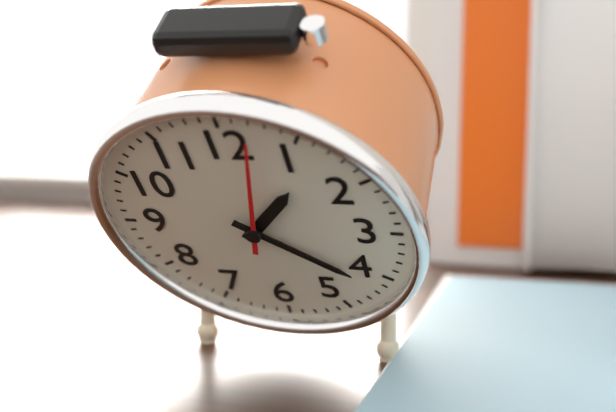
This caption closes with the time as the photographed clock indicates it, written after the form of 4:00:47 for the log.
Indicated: 1:21:02
